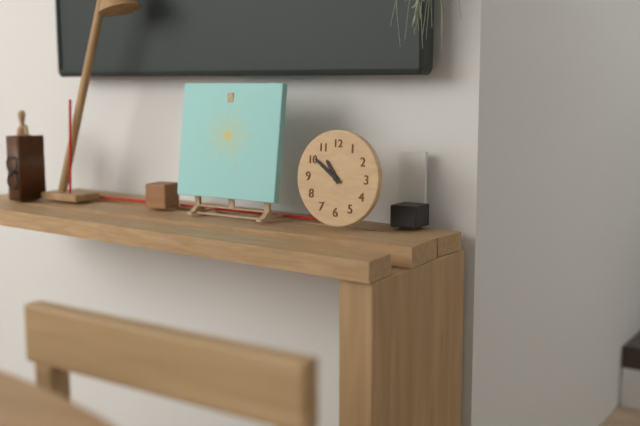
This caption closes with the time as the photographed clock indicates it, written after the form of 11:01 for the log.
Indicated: 10:51
